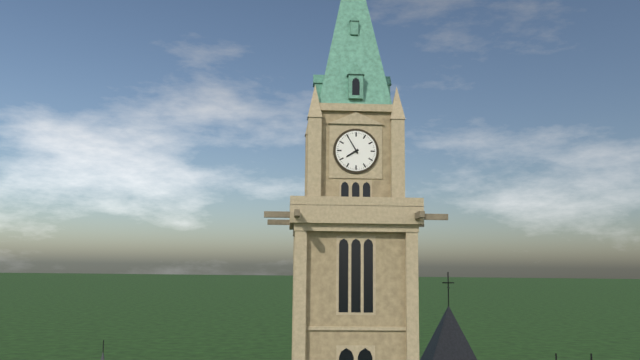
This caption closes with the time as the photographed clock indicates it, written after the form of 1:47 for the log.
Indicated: 7:55
